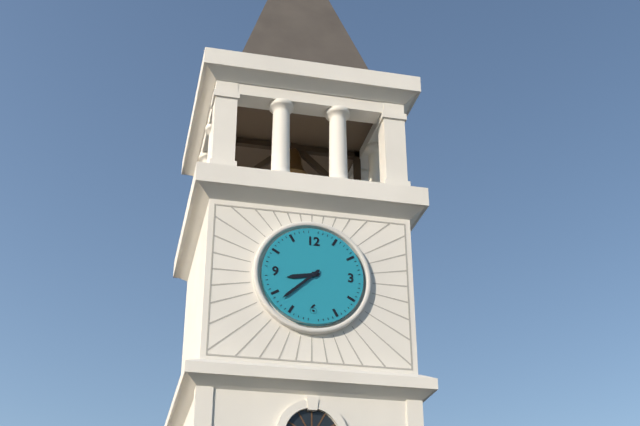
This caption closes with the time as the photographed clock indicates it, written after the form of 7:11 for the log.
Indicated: 8:38
